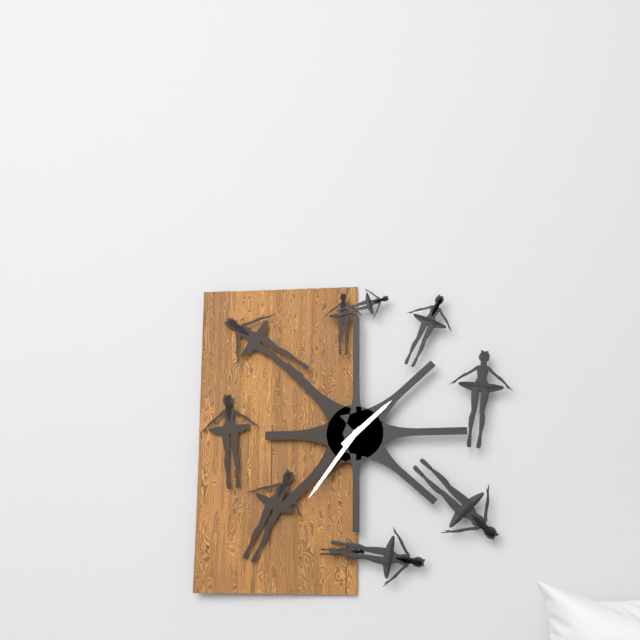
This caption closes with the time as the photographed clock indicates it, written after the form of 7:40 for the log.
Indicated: 1:36
